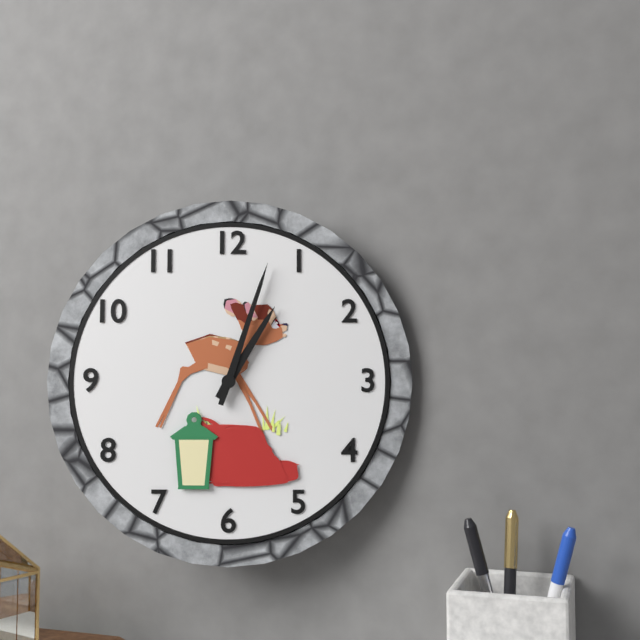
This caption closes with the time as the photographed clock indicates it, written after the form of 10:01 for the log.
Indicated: 1:03
